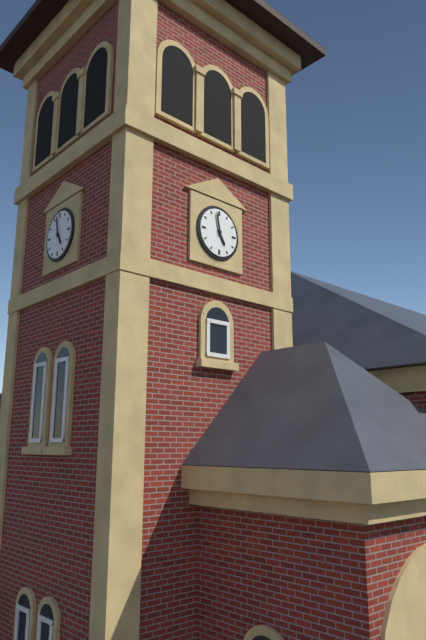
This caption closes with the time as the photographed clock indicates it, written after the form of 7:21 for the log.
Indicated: 4:58
